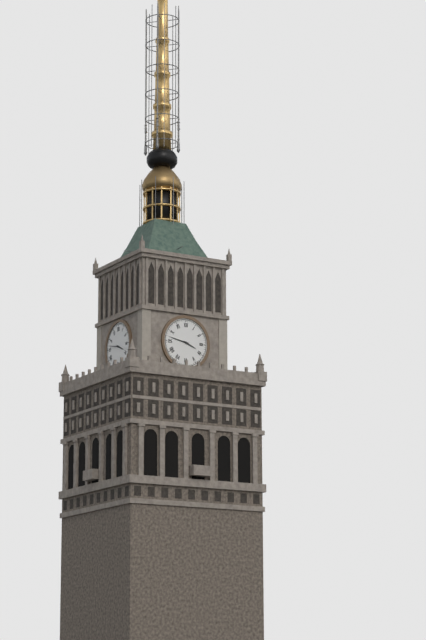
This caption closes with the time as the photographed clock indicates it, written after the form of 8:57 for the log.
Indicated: 3:47
